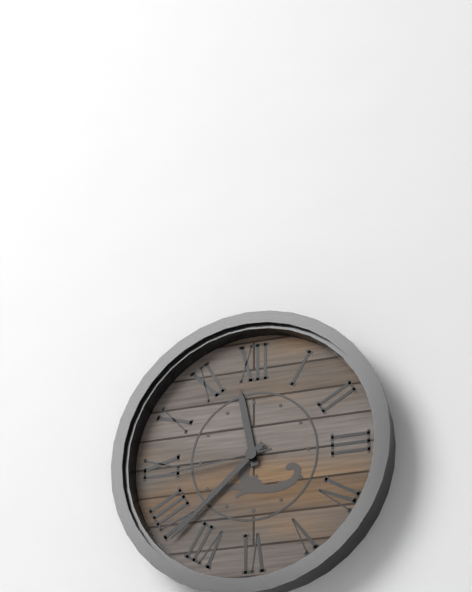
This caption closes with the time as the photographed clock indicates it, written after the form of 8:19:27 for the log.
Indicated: 11:38:44
